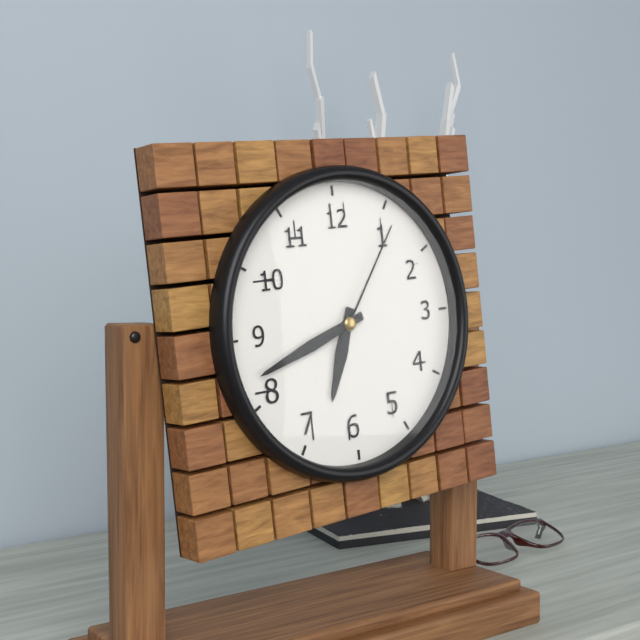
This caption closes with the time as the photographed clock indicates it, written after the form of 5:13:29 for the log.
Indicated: 6:42:06
